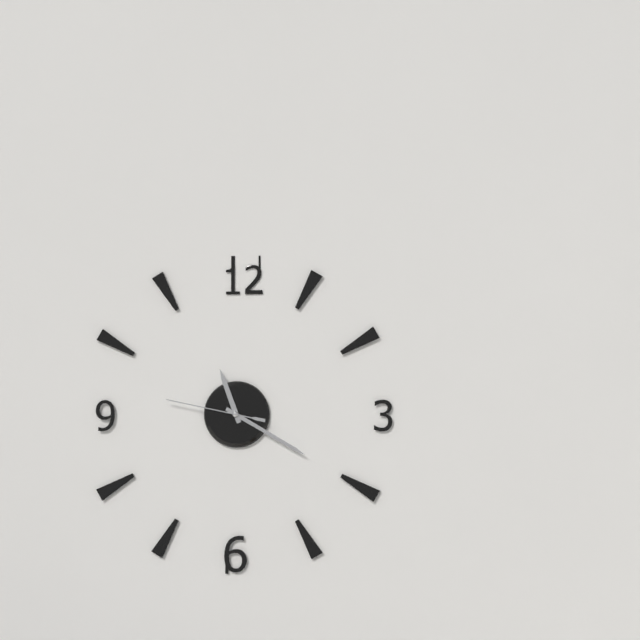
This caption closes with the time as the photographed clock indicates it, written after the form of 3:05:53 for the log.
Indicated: 11:20:47
